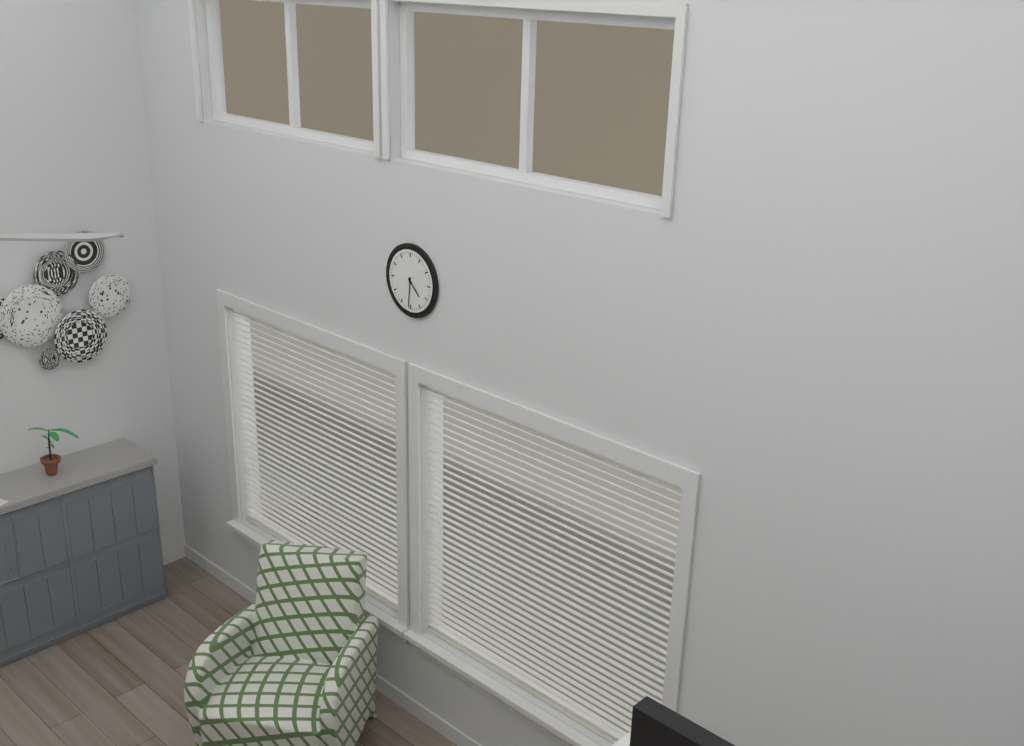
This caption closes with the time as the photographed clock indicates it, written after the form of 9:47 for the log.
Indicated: 4:31
